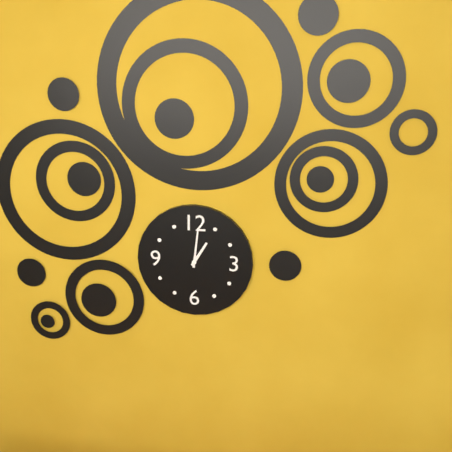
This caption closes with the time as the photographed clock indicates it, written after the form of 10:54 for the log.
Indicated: 1:01
